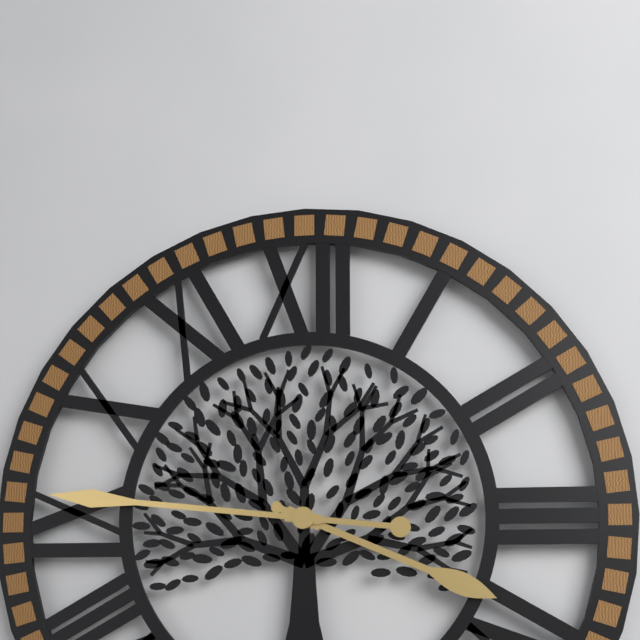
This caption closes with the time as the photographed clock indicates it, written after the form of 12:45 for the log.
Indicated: 3:46
